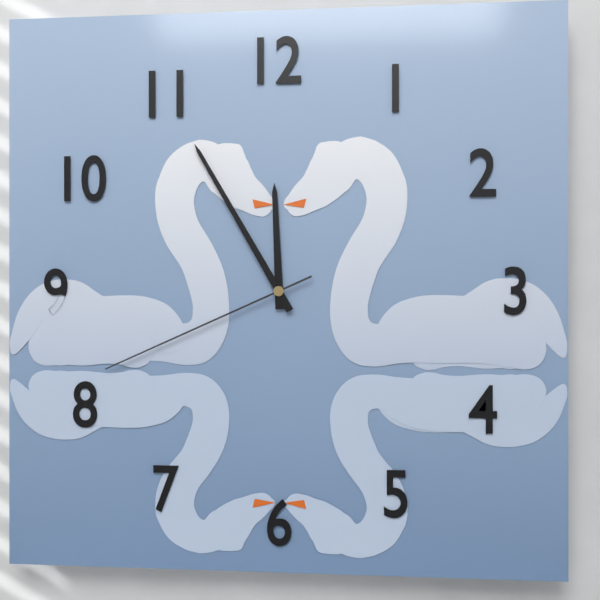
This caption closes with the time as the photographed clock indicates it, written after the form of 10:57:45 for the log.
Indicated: 11:55:41
